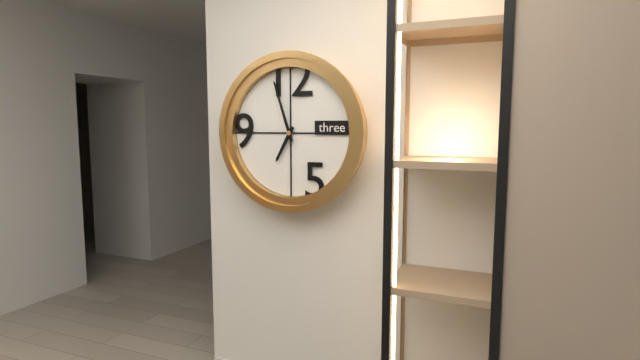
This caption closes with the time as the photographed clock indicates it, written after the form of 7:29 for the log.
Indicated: 6:57
